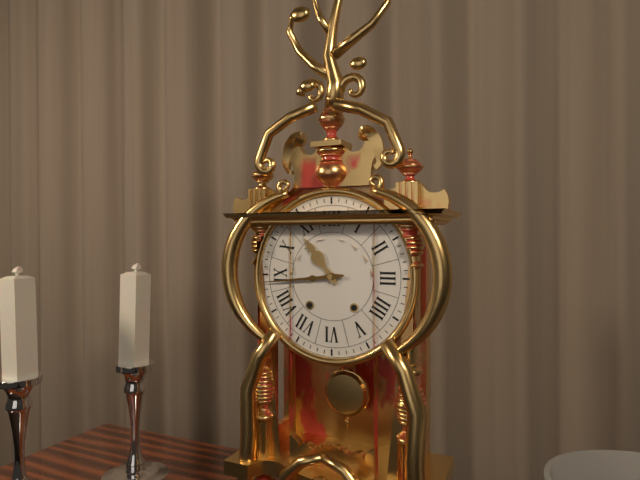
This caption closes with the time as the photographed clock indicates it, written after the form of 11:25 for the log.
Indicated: 10:44
